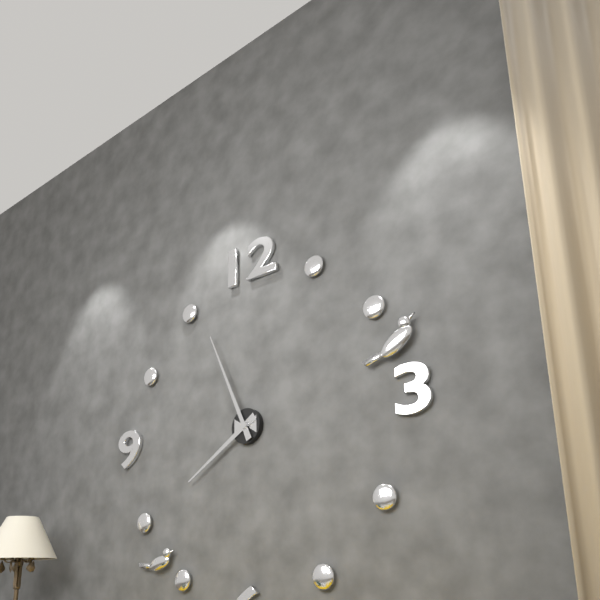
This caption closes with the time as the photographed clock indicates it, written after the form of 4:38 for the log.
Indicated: 7:56
